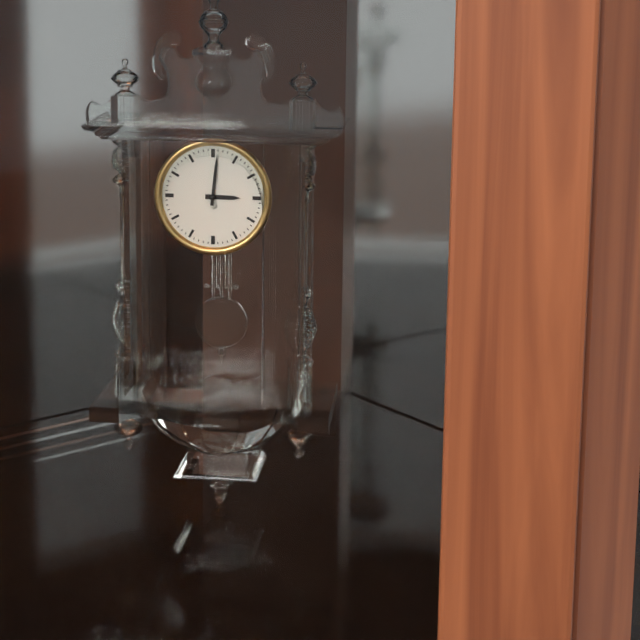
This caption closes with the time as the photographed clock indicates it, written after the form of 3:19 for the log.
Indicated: 3:01
